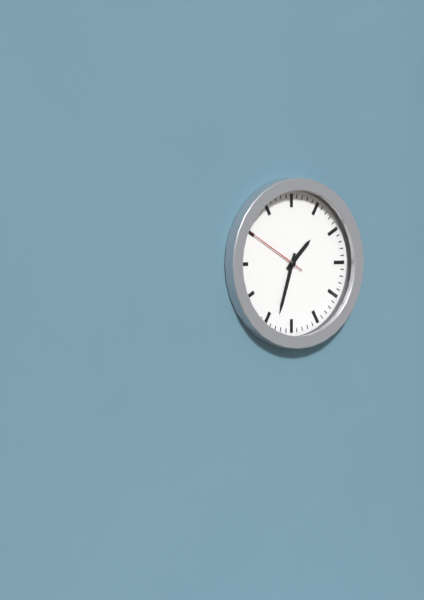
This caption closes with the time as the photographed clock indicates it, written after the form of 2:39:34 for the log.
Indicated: 1:33:50
